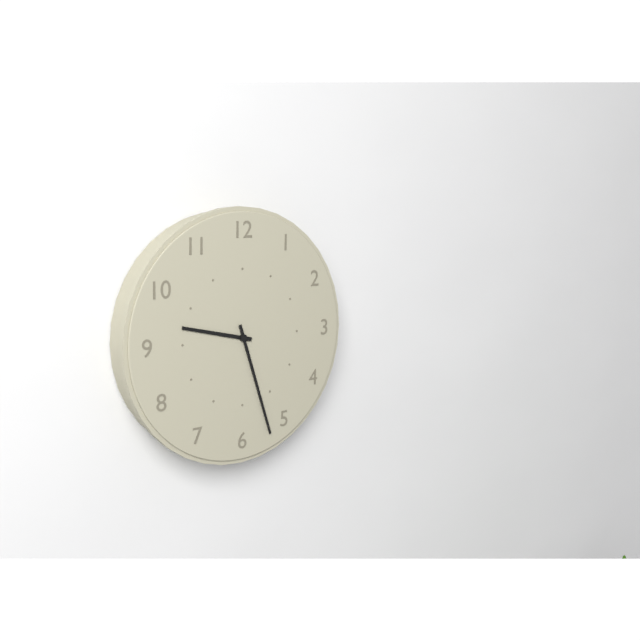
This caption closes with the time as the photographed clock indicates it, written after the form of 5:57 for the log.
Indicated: 9:27
